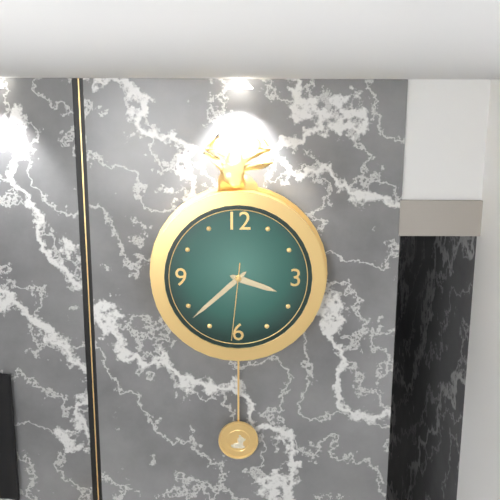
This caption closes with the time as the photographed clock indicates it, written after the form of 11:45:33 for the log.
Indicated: 3:38:31
